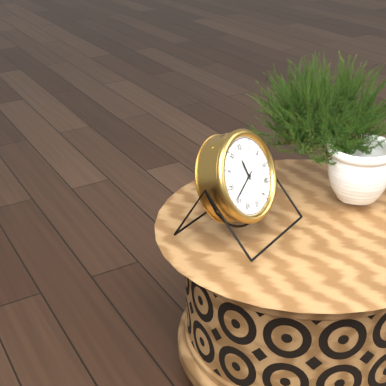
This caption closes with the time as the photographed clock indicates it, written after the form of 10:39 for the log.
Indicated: 11:41
